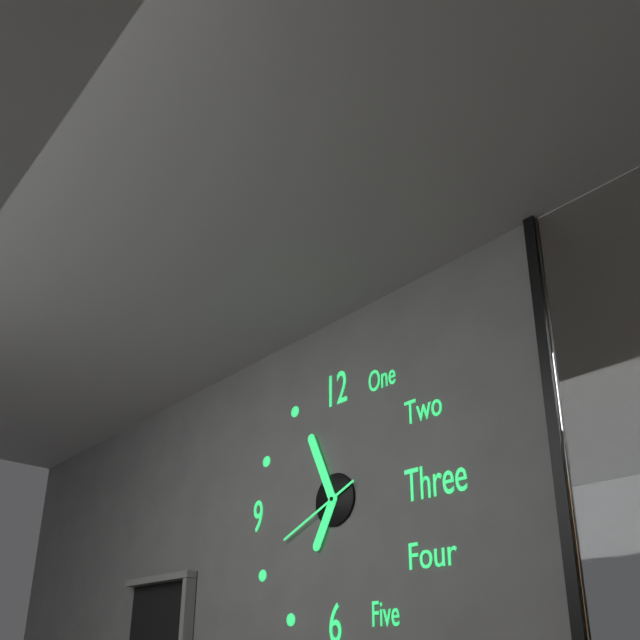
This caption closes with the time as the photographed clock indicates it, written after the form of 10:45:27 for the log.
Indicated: 6:56:41
